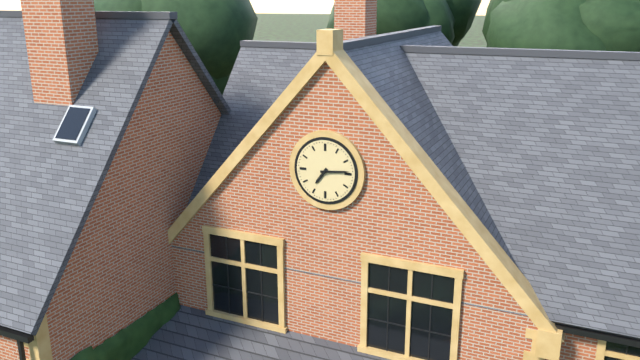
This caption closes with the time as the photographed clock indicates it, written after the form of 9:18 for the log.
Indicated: 7:14
